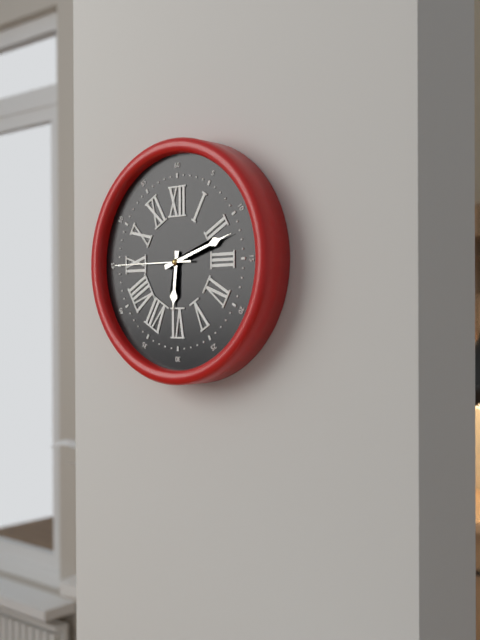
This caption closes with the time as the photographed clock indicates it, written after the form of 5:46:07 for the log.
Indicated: 6:12:45
